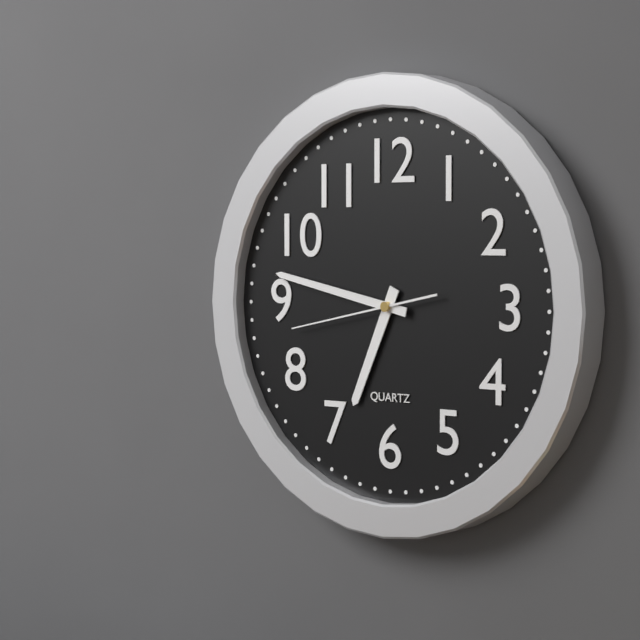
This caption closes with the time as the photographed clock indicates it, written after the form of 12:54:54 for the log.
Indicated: 6:47:43
